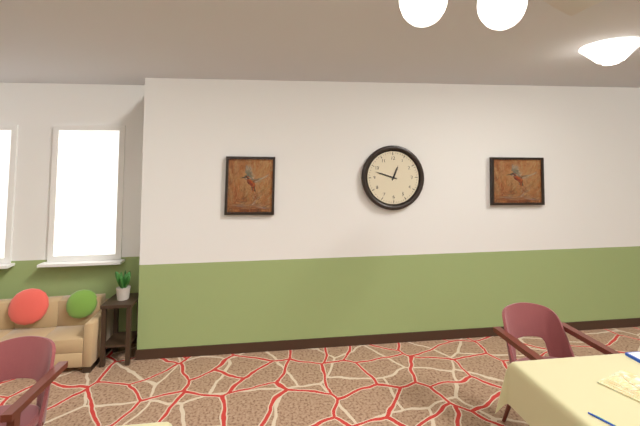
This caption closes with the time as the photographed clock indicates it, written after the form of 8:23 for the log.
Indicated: 12:48
